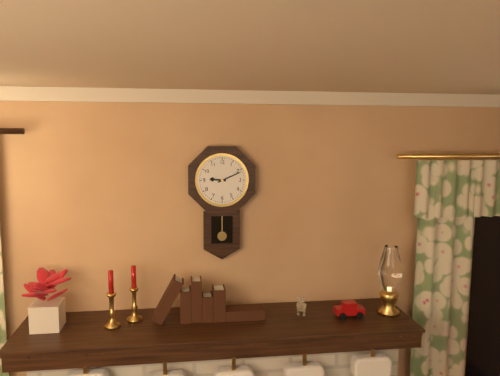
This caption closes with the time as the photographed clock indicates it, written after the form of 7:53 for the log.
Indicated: 9:11
